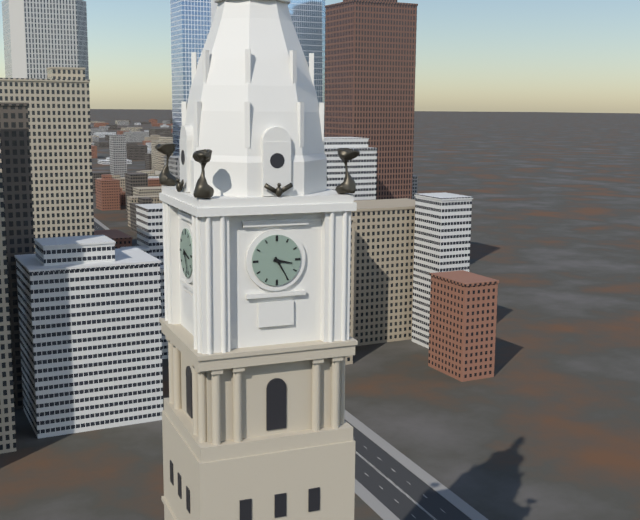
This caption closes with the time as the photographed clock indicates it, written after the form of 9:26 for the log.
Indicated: 3:25
